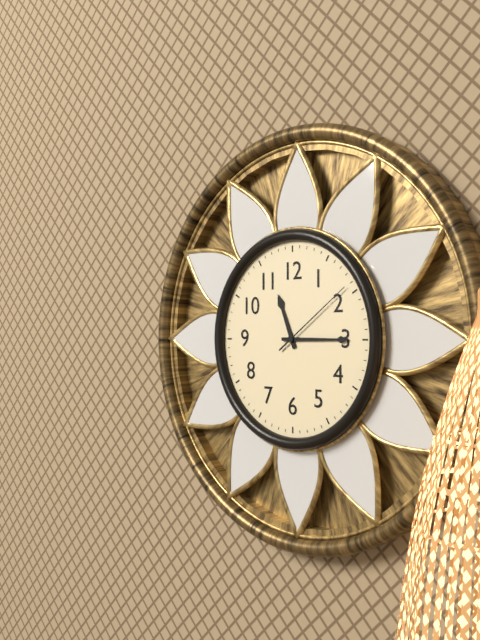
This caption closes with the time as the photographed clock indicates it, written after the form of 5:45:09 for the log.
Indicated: 11:15:09
